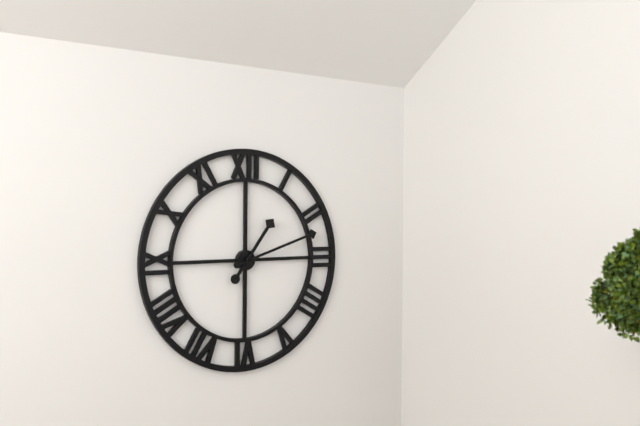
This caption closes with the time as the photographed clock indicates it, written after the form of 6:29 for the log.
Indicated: 1:12
